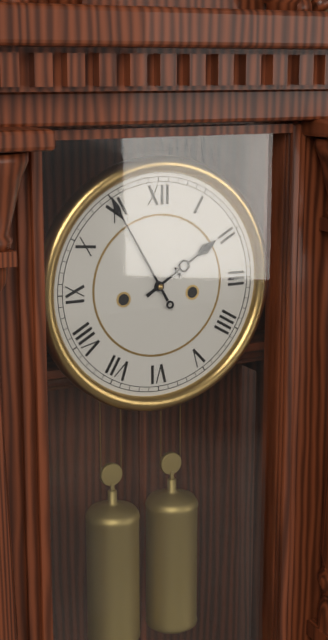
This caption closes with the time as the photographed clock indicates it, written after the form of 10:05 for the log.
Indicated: 1:55
